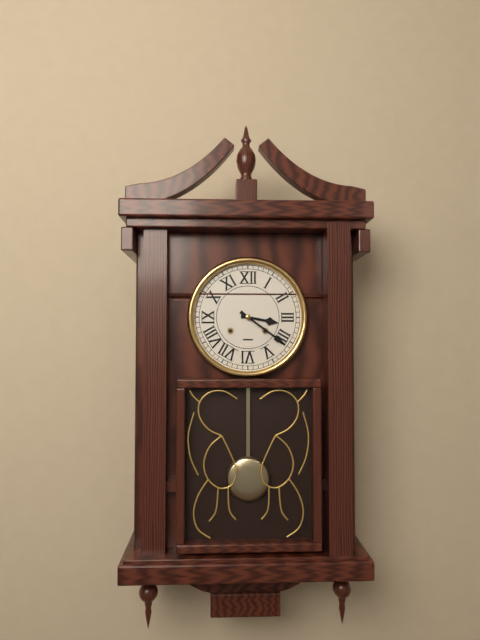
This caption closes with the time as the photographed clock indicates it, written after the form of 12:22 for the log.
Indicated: 3:21
